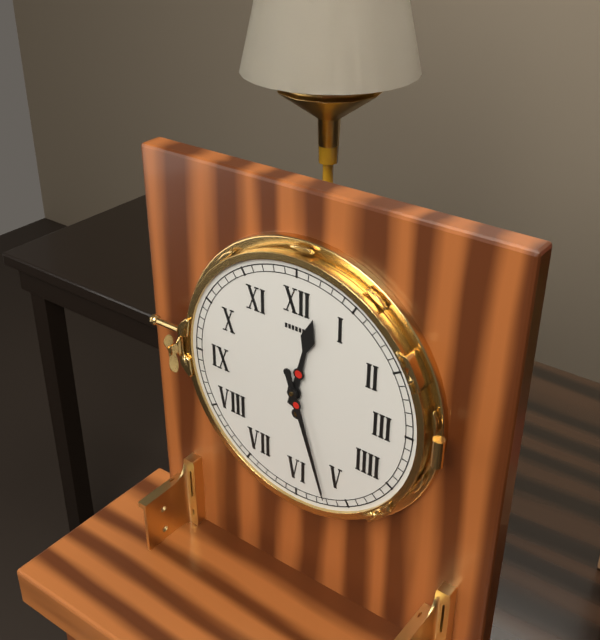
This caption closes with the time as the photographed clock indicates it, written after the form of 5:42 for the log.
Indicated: 12:27
